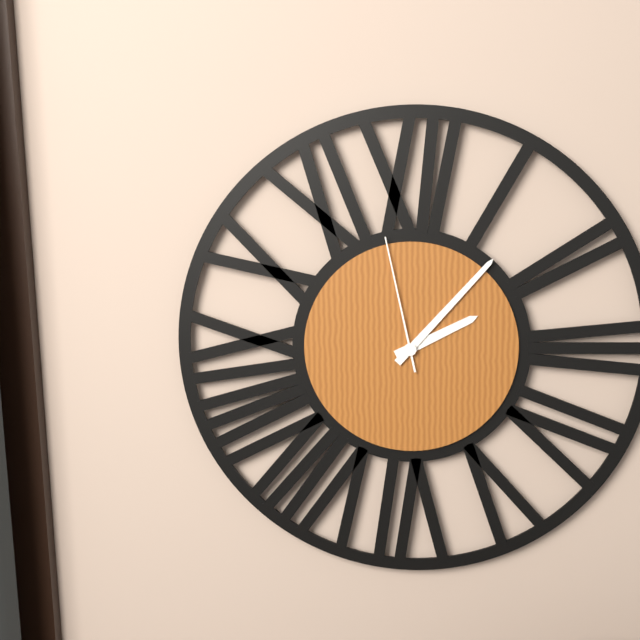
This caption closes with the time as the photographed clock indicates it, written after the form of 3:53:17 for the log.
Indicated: 2:07:58
